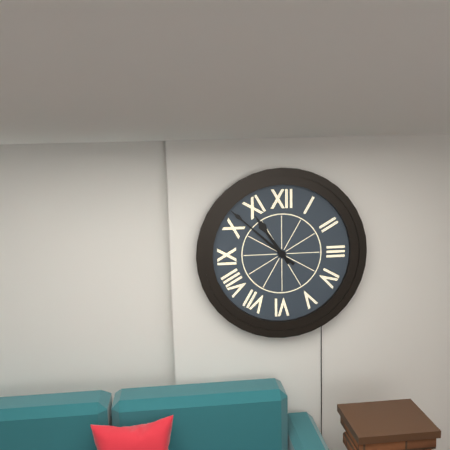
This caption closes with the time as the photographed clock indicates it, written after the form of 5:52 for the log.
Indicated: 10:52
